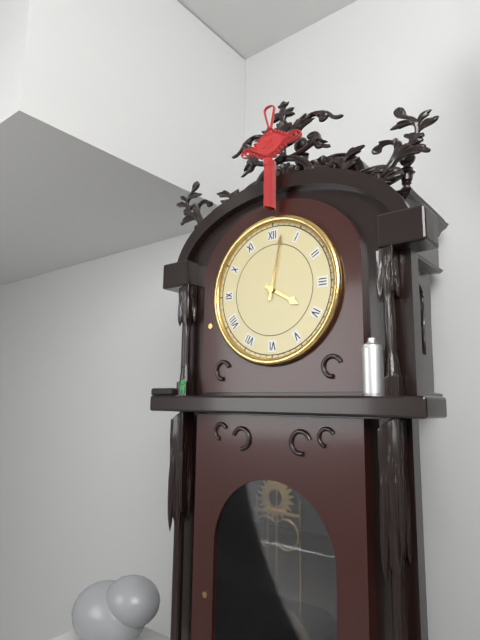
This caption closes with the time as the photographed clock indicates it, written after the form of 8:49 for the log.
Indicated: 4:02
